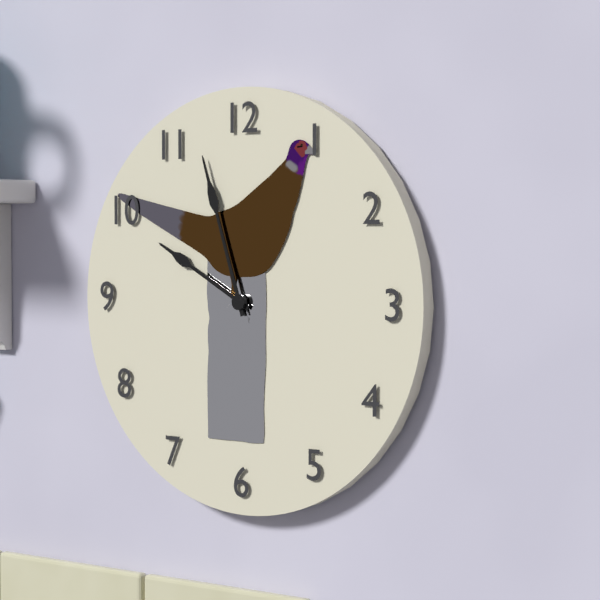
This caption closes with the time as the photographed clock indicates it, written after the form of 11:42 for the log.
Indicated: 9:57
